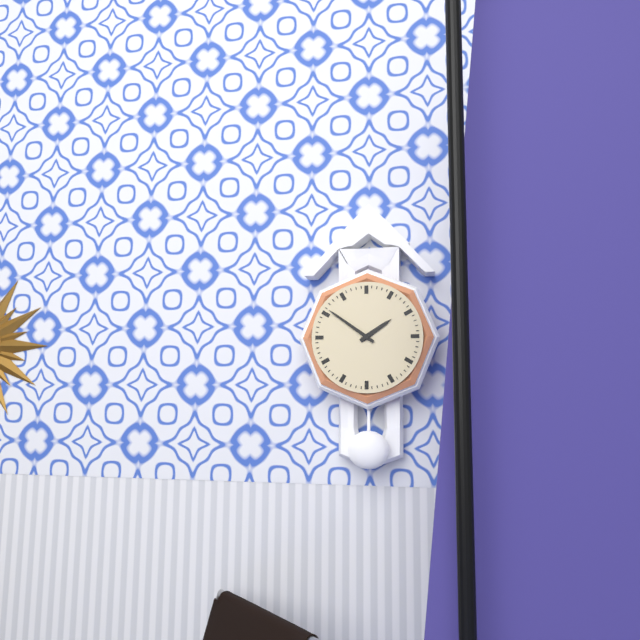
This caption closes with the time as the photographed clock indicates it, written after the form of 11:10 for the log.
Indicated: 1:51
